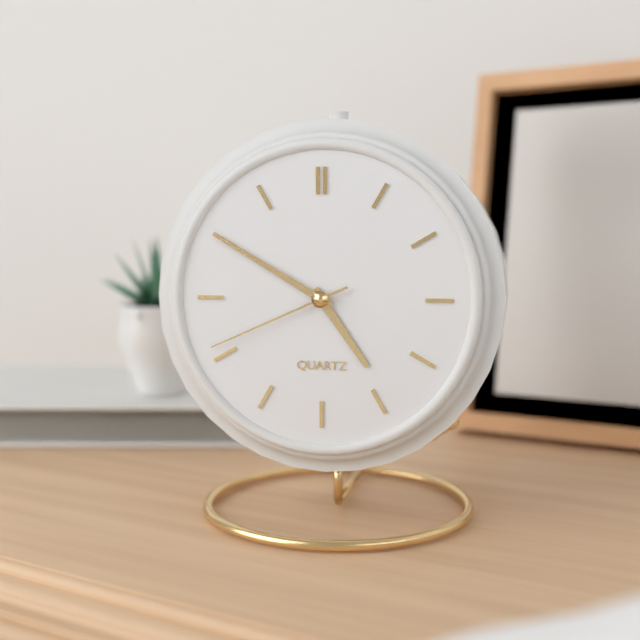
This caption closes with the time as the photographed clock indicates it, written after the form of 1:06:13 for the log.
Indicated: 4:50:41
